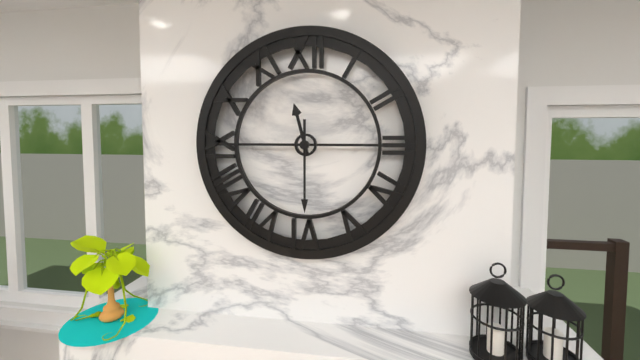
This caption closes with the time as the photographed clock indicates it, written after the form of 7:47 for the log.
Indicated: 11:30
